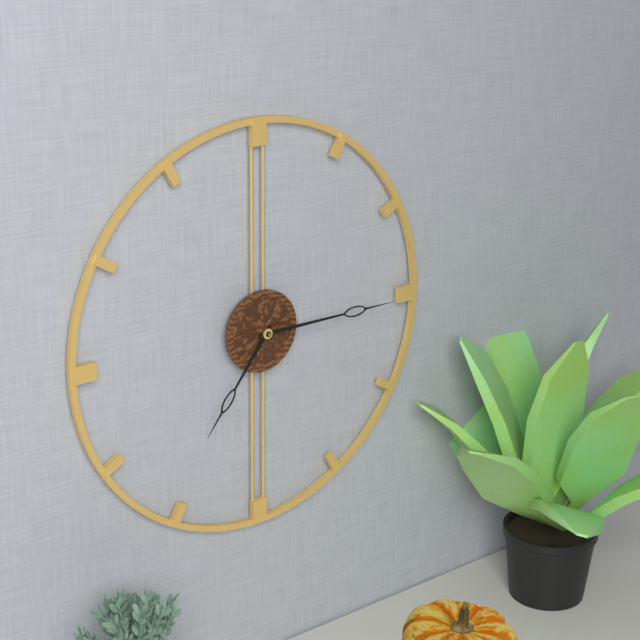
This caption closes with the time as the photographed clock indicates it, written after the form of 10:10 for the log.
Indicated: 7:15
